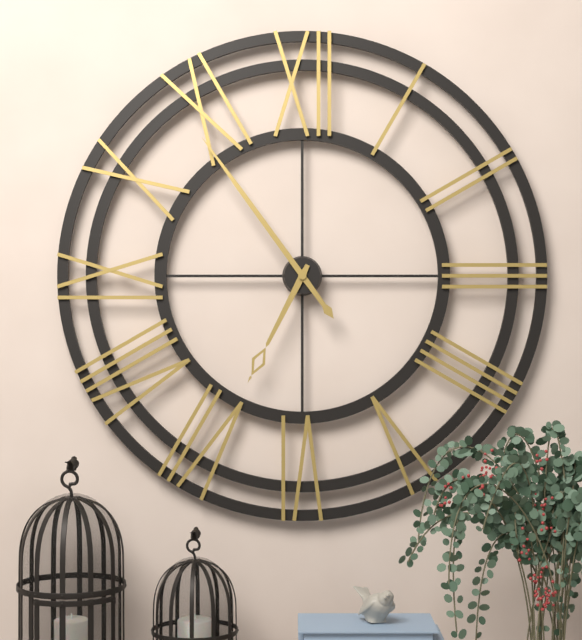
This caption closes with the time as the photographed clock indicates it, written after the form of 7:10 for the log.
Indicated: 6:54
